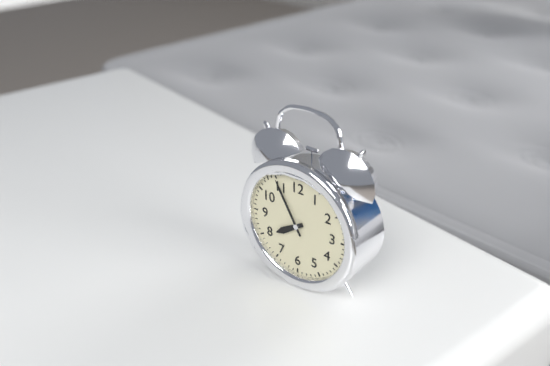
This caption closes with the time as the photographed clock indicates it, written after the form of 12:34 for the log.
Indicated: 7:55
